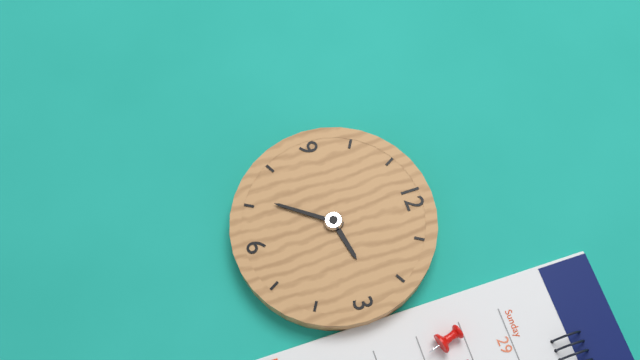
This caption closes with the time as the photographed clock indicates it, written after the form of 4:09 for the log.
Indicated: 2:36
